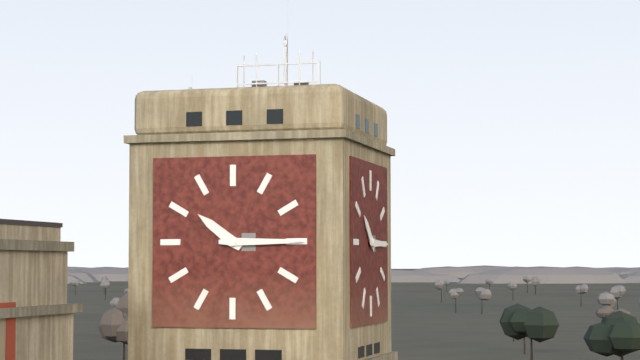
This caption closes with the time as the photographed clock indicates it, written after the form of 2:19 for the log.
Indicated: 10:15
